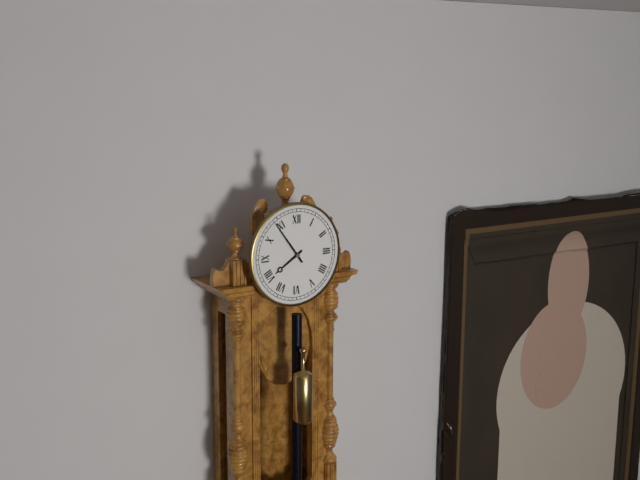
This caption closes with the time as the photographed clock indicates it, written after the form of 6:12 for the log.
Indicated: 7:54
